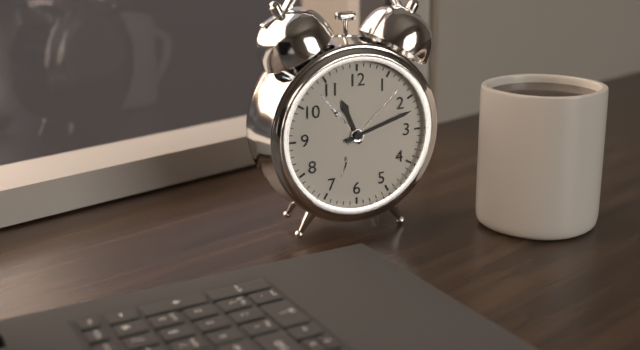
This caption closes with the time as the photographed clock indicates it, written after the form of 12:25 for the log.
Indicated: 11:12
